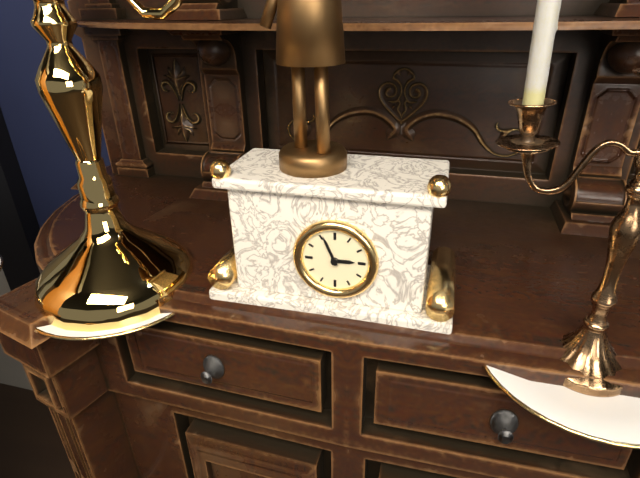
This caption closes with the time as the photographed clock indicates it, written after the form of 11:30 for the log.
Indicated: 2:56
